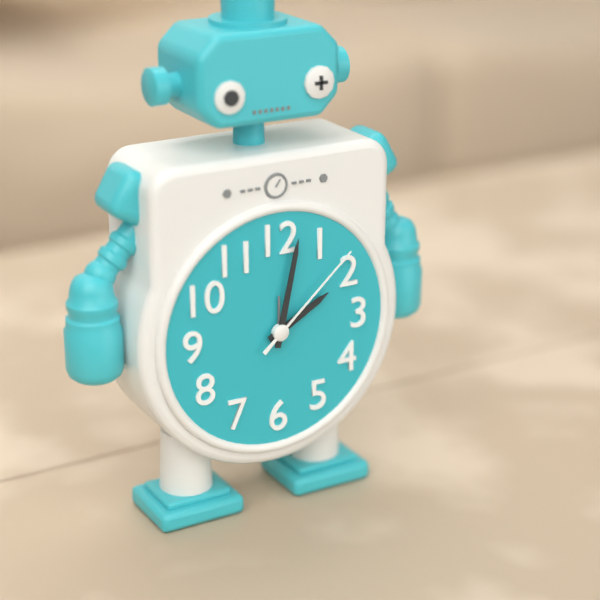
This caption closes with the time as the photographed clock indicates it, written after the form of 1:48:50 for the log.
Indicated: 2:02:08
